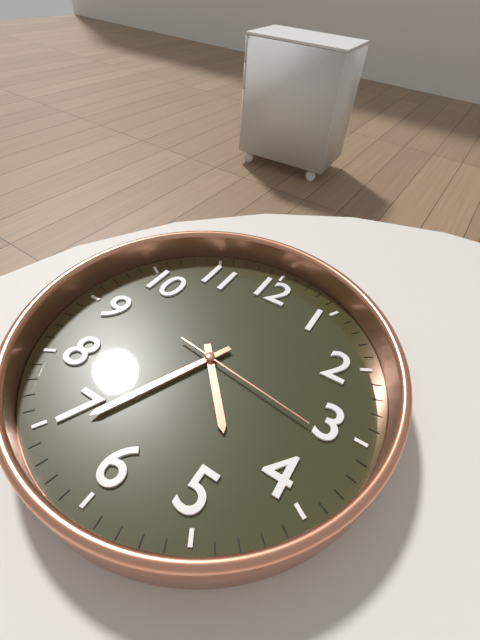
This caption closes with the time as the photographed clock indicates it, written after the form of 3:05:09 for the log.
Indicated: 4:34:16
